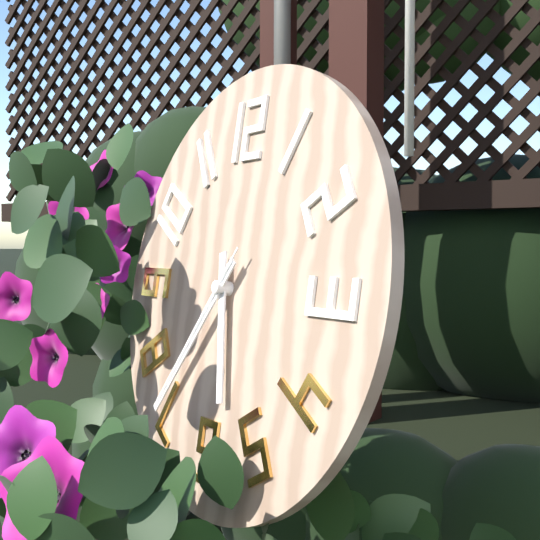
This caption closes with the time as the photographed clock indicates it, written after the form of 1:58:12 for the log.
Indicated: 5:36:36
